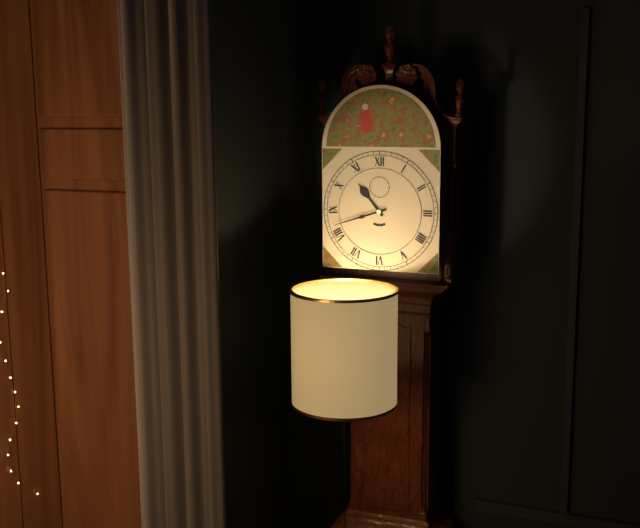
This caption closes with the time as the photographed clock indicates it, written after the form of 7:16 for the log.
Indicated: 10:42
